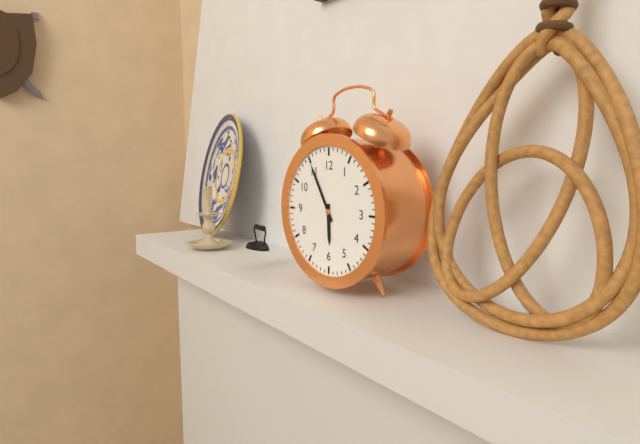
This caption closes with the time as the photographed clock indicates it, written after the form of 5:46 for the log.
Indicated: 5:55
